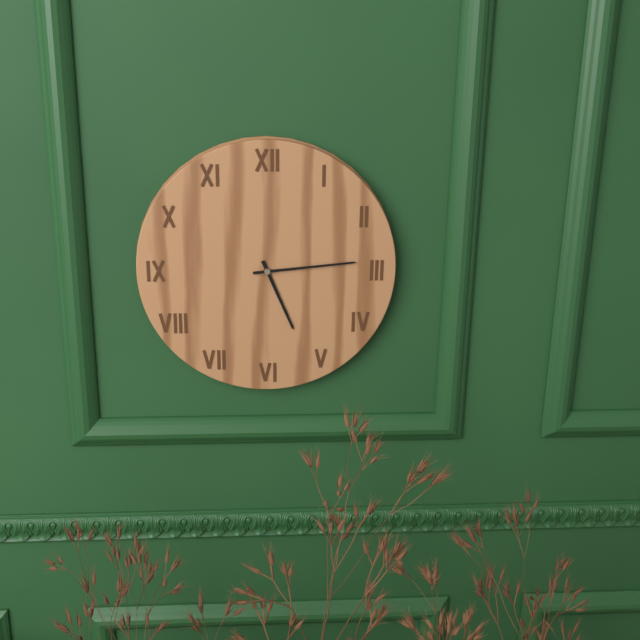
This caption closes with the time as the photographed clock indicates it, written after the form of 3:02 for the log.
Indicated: 5:14
